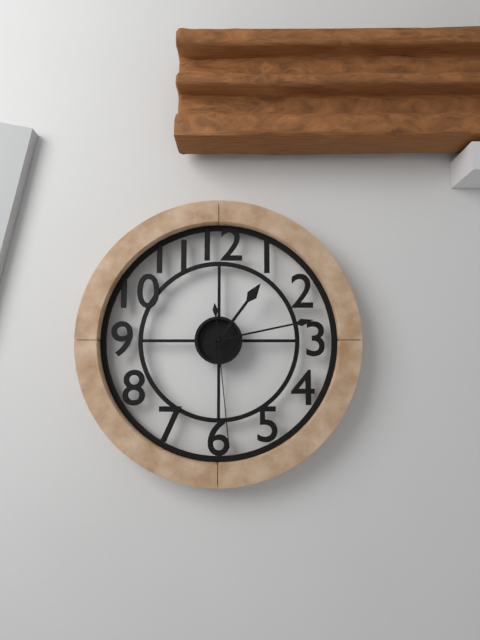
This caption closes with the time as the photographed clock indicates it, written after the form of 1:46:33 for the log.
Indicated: 1:13:29
